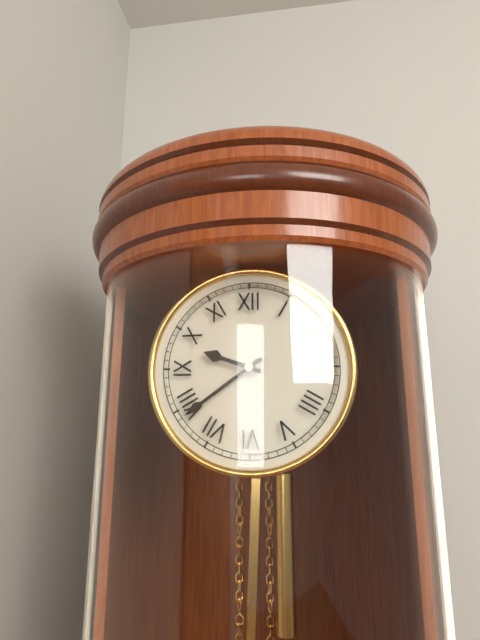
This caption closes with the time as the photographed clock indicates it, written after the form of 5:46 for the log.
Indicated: 9:39
